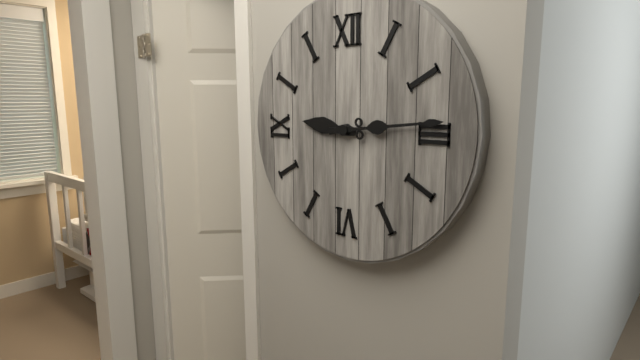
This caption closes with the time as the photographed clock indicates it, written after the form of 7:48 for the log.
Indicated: 9:14
